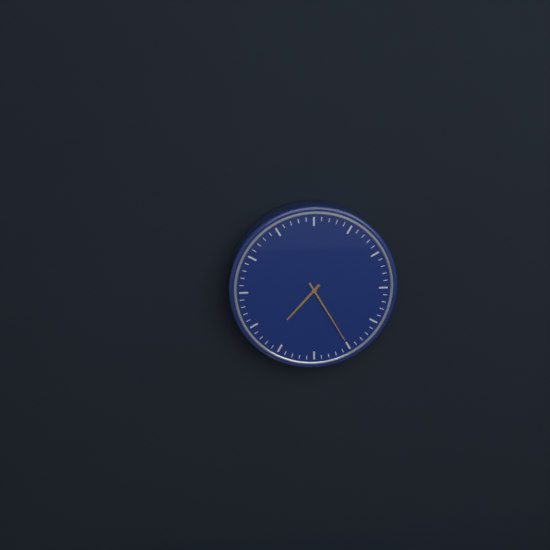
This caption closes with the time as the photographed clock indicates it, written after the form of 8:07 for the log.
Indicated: 7:25
